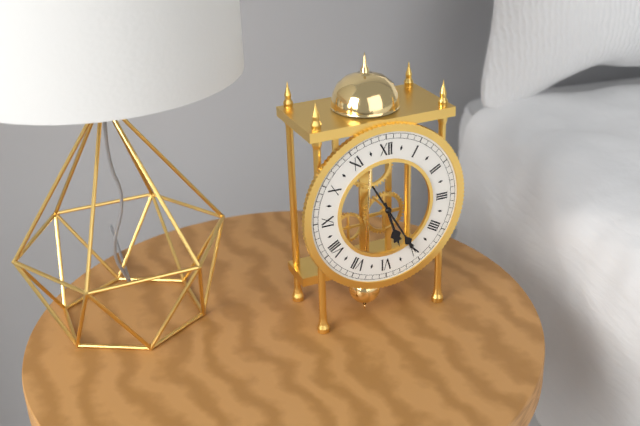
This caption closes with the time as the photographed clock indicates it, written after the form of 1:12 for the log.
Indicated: 5:25
